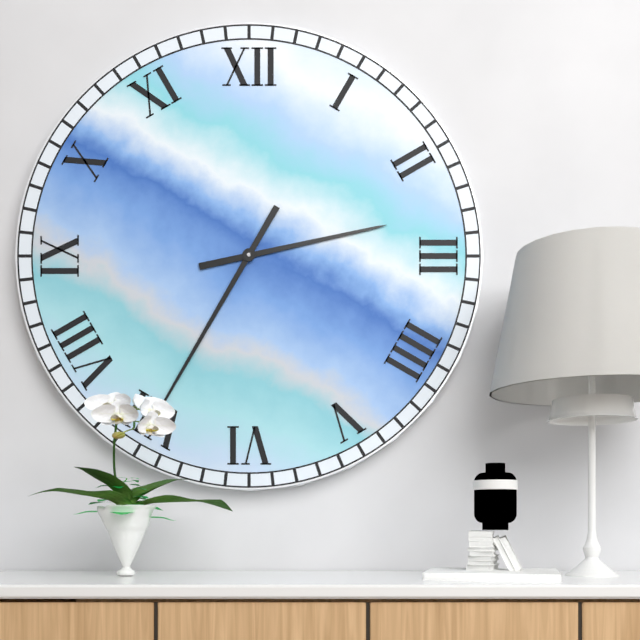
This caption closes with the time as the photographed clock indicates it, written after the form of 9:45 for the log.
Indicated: 2:35
